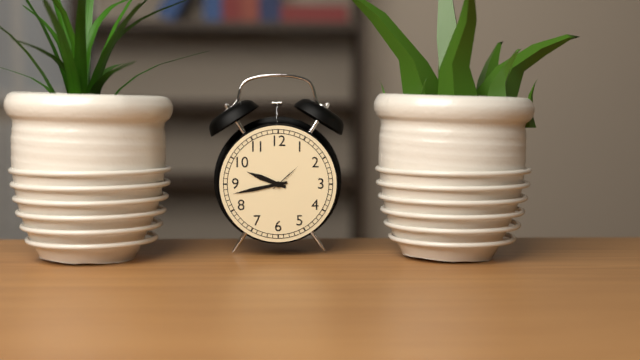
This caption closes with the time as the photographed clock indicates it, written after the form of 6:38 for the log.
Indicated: 9:43
